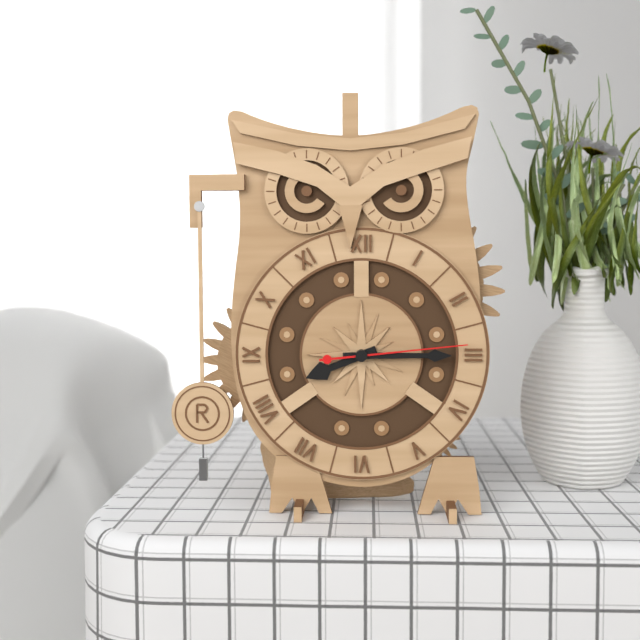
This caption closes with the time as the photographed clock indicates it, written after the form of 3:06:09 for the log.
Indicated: 8:15:14
